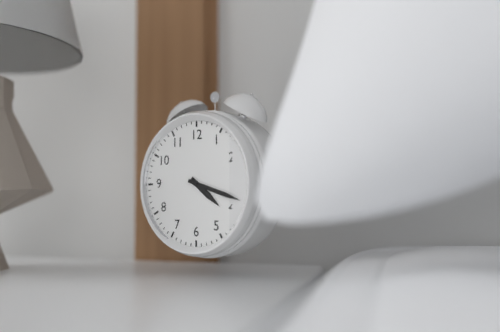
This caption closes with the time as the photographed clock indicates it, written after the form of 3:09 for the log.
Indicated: 4:18
